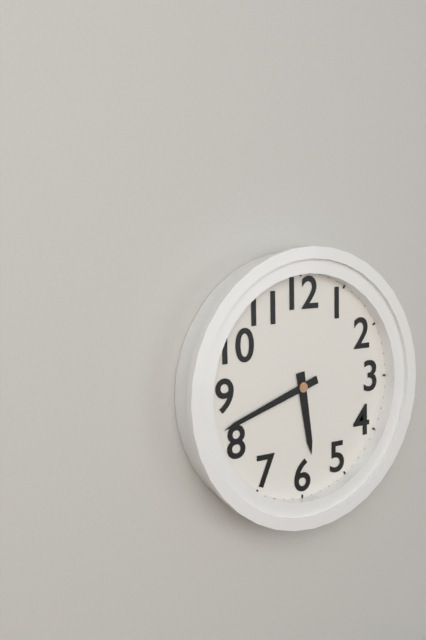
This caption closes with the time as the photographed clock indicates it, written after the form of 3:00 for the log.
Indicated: 5:42
